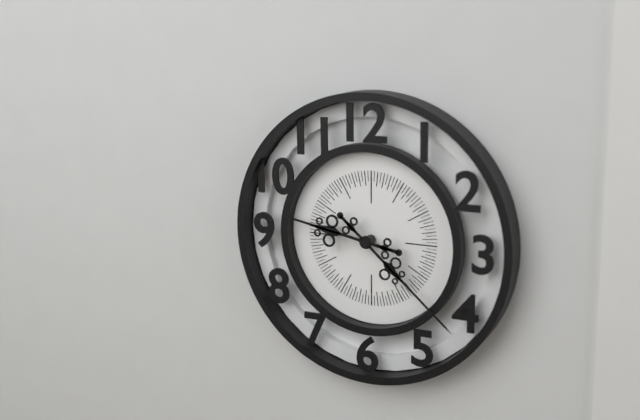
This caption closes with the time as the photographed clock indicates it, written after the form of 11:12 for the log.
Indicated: 9:22
